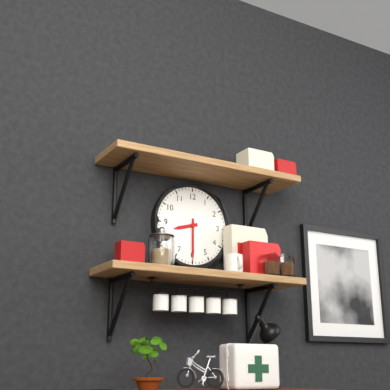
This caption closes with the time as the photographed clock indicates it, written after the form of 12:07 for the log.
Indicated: 8:30
